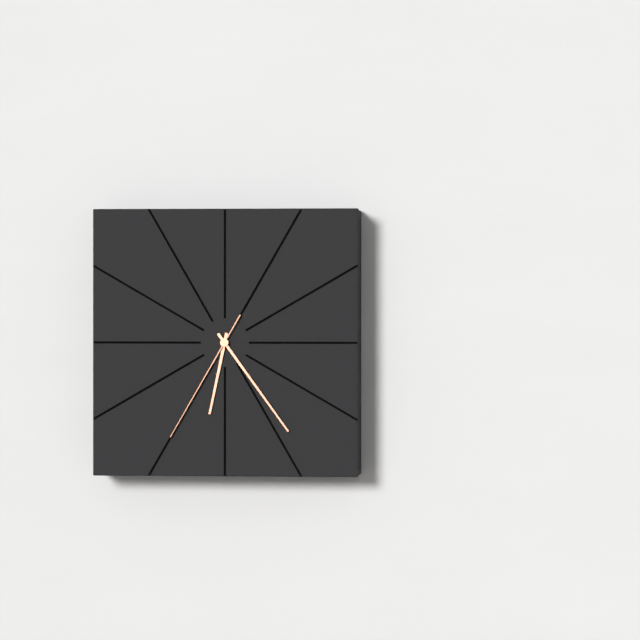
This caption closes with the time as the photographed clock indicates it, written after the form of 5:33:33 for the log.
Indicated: 6:24:35
